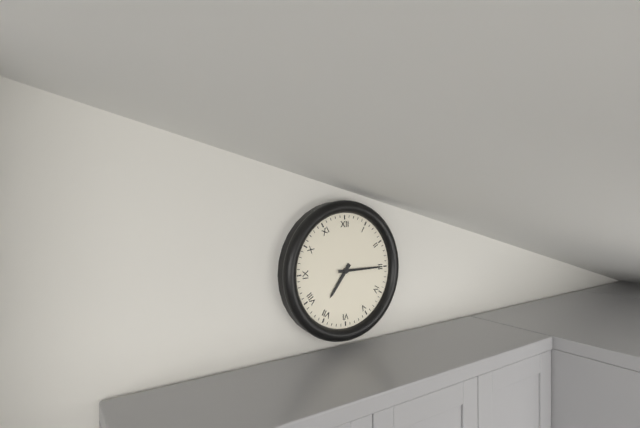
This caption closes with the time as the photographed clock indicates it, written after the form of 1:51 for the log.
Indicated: 7:15
